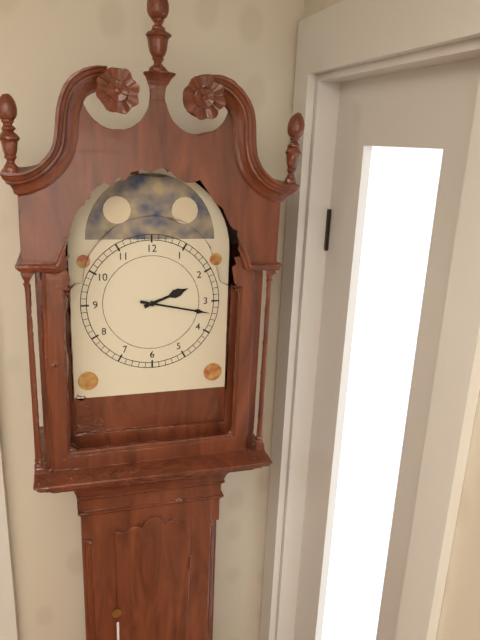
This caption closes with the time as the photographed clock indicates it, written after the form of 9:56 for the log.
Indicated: 2:17
